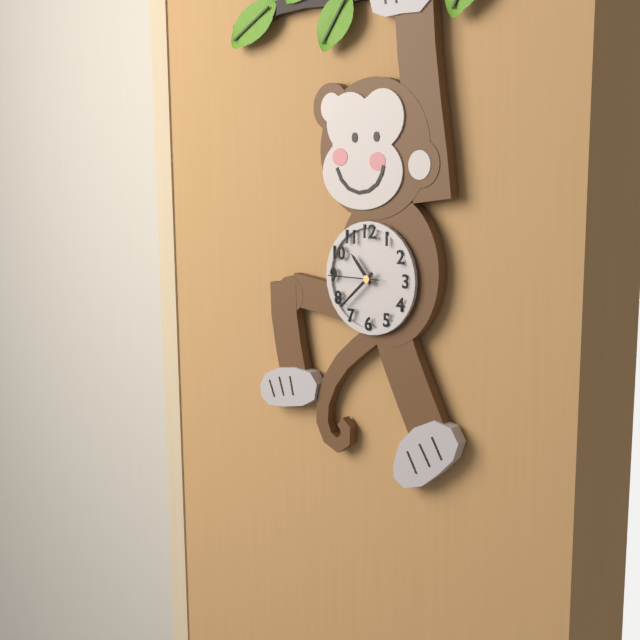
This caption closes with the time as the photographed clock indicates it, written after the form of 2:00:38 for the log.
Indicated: 10:38:45
